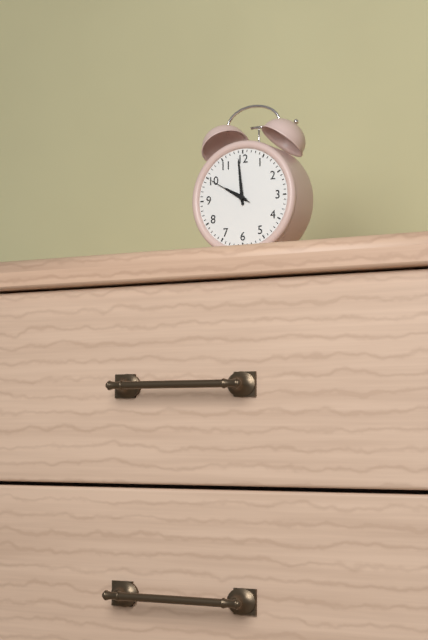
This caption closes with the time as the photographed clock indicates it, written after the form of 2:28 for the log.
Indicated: 9:59
